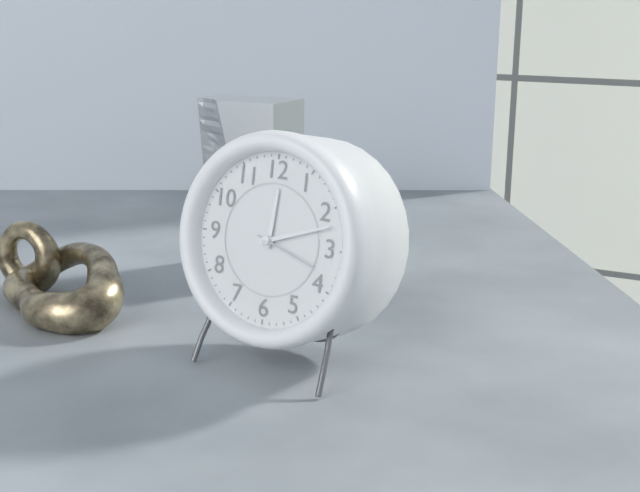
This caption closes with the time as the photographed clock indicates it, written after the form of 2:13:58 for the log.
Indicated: 12:12:18
